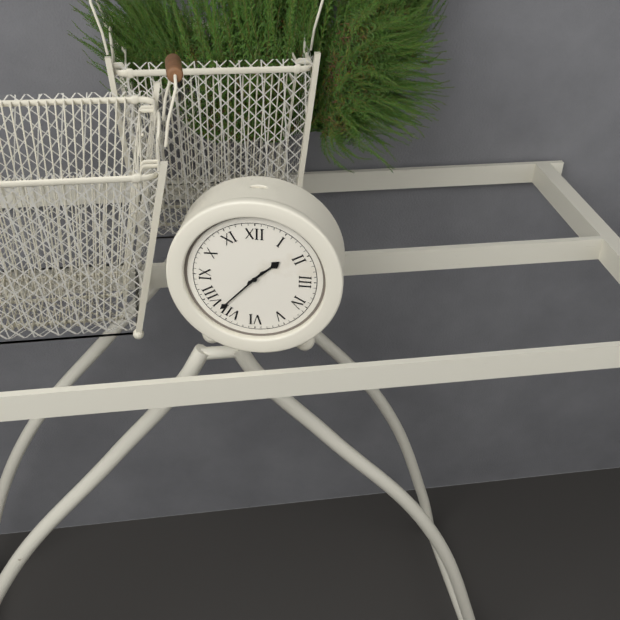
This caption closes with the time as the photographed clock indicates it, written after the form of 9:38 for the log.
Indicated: 1:37
